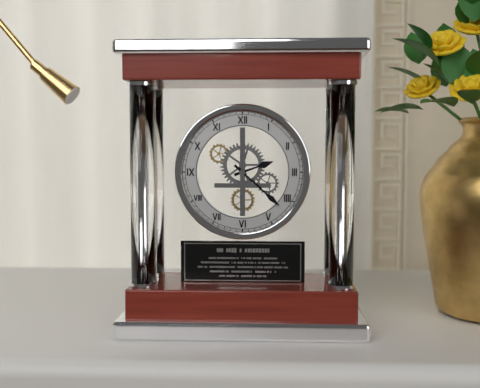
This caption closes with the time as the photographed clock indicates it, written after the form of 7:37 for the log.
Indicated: 2:22
